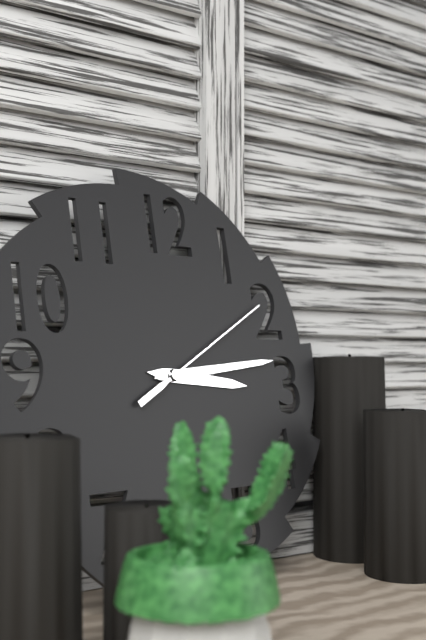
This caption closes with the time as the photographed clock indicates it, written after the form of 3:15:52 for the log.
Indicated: 3:14:10
